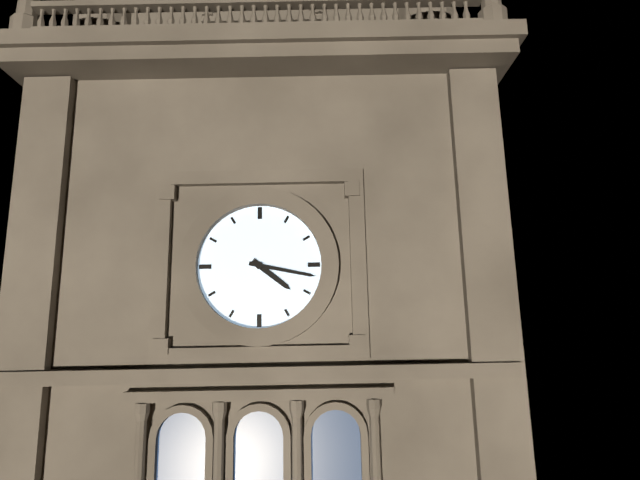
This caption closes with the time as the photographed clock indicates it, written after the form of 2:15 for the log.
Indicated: 4:17
